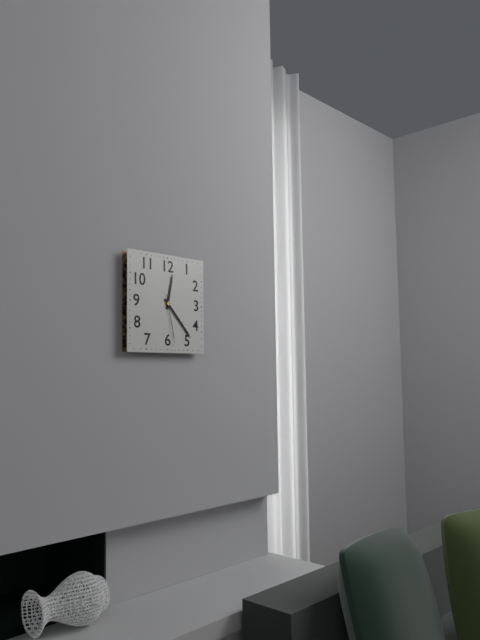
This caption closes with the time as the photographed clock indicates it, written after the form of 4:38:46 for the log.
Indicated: 12:23:28
